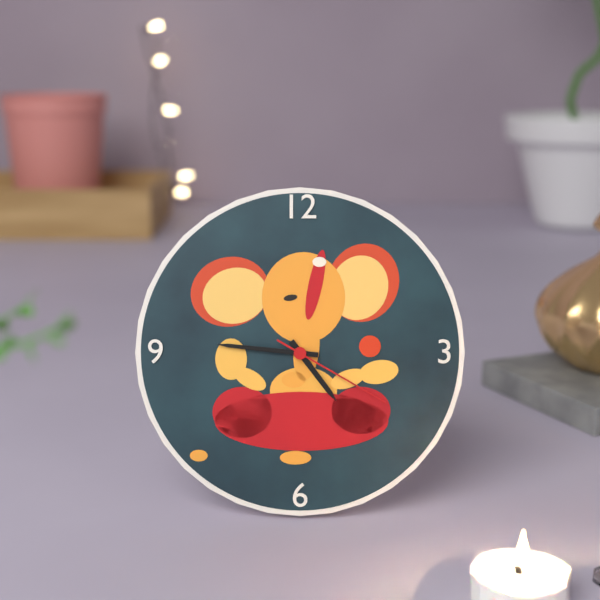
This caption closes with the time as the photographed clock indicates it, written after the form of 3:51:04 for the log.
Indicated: 4:46:20
